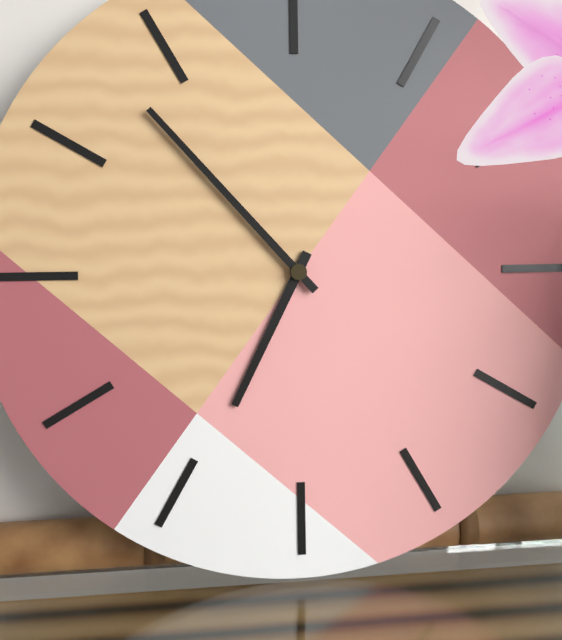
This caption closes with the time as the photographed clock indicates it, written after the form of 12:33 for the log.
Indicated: 6:53
